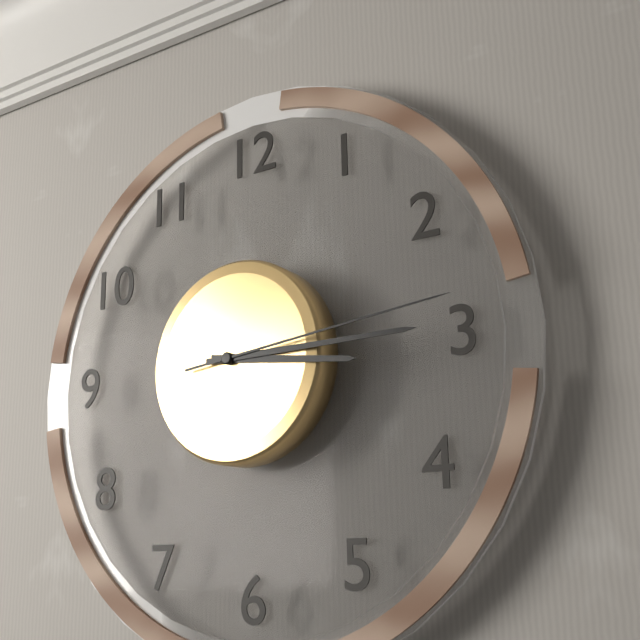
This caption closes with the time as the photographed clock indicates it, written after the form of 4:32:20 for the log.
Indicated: 3:15:14
